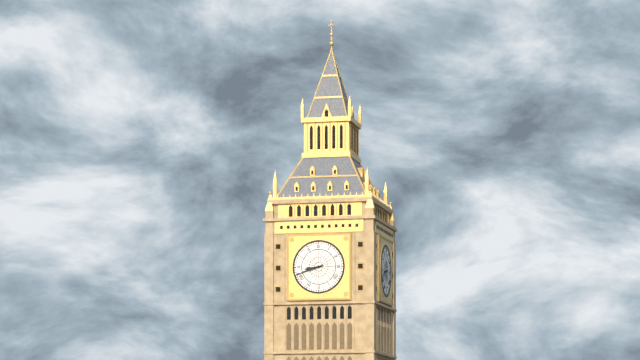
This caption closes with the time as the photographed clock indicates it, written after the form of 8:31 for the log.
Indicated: 8:42
